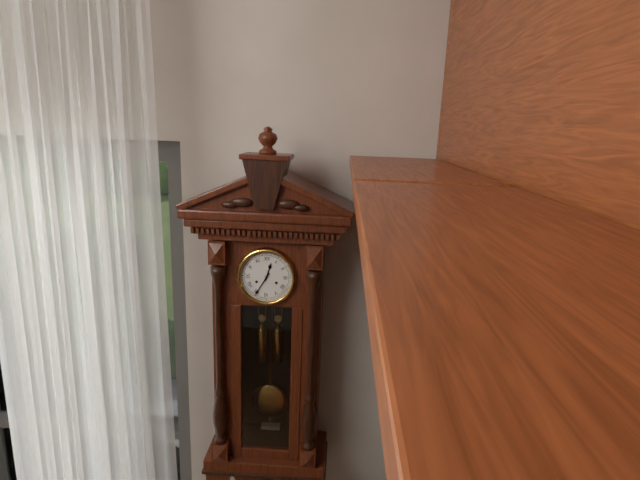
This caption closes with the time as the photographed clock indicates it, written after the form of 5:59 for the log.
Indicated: 12:35
